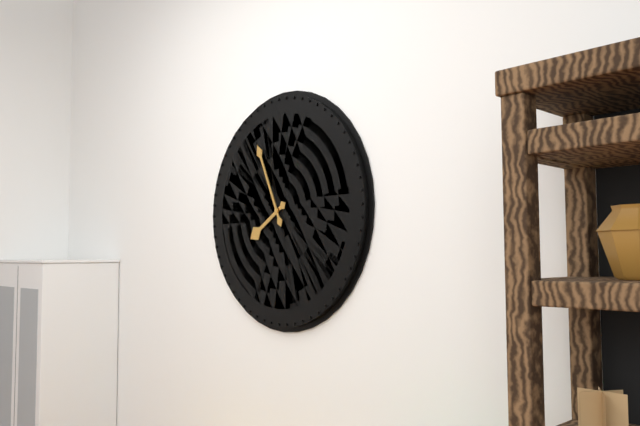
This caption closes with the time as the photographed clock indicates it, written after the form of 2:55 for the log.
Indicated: 7:56
